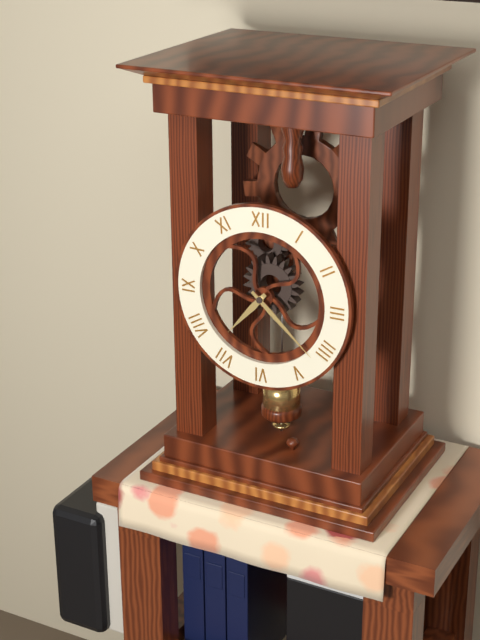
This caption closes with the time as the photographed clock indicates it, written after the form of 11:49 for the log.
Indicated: 7:22
